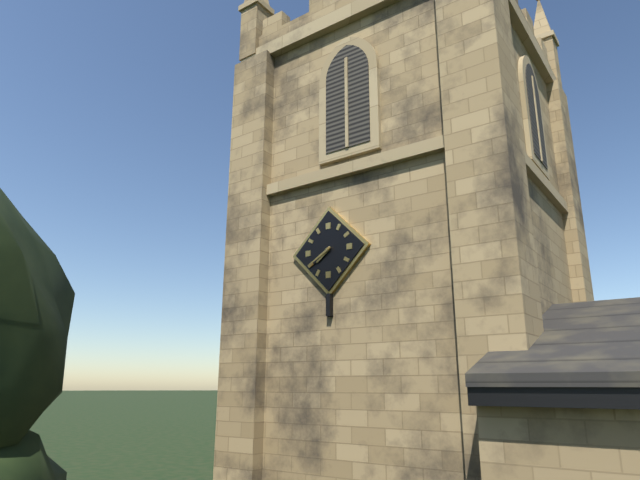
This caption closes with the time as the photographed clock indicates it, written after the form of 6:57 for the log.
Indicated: 7:40
